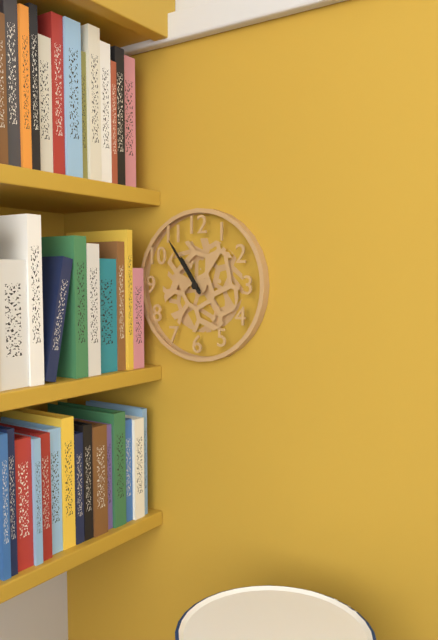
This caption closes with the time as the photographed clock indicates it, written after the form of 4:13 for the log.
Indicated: 10:54
